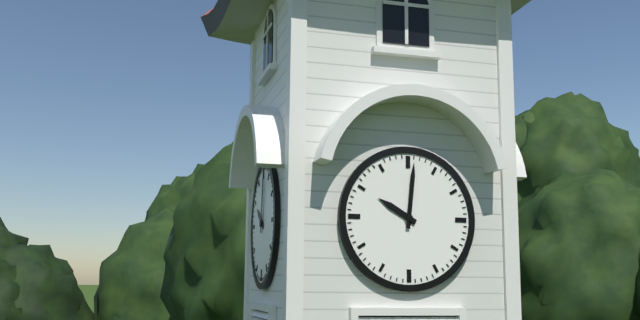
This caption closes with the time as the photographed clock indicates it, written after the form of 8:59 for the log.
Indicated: 10:01
